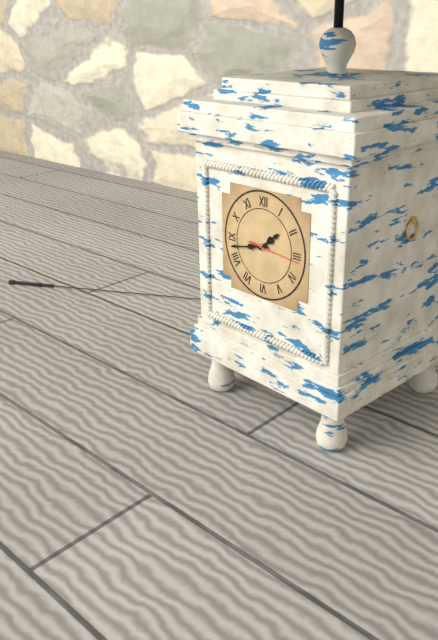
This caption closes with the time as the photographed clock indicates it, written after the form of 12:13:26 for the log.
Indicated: 1:43:16
